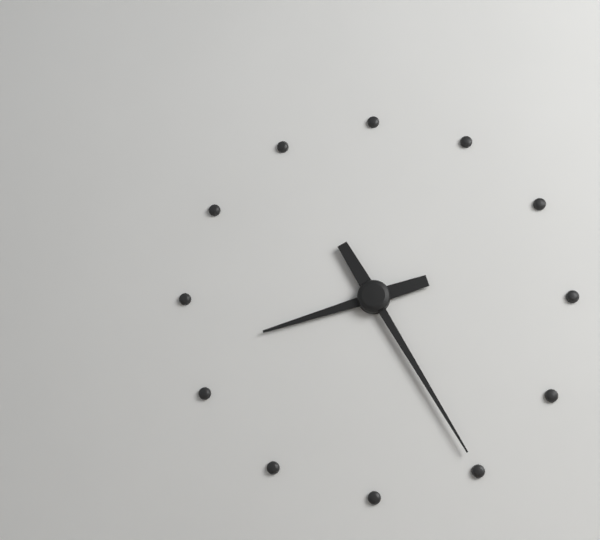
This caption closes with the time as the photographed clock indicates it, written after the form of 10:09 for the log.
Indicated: 8:25
